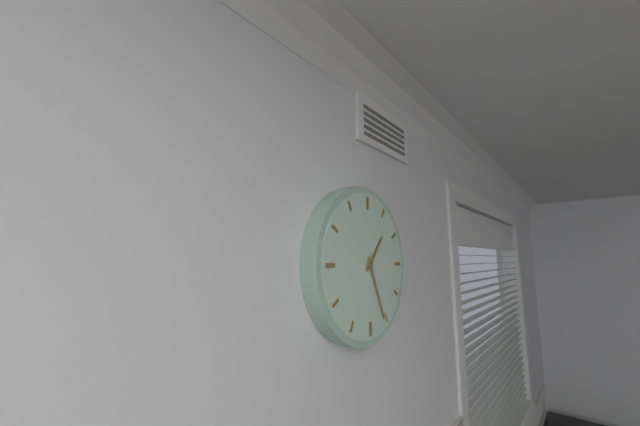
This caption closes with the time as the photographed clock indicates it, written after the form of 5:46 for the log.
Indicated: 1:26
